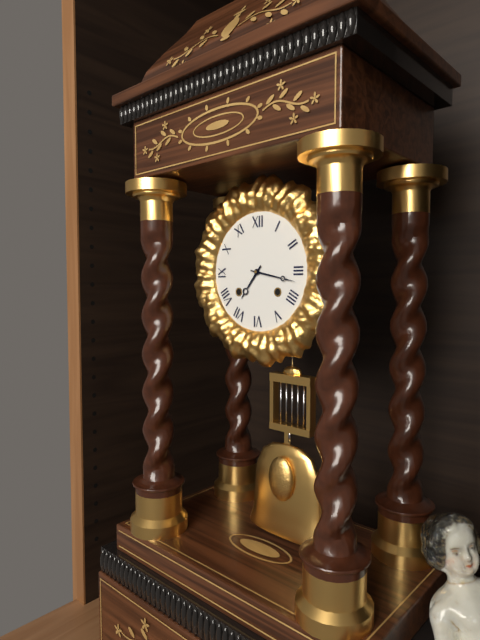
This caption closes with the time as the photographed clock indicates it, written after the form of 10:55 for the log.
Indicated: 7:17
